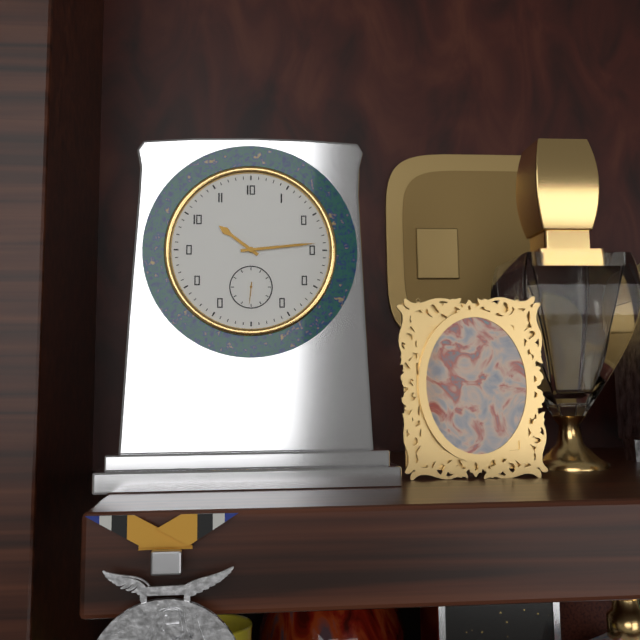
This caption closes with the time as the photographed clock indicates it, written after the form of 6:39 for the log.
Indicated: 10:14
